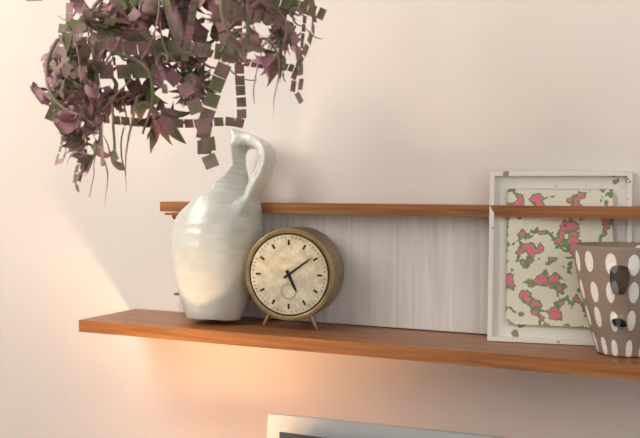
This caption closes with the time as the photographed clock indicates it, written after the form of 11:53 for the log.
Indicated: 5:09
